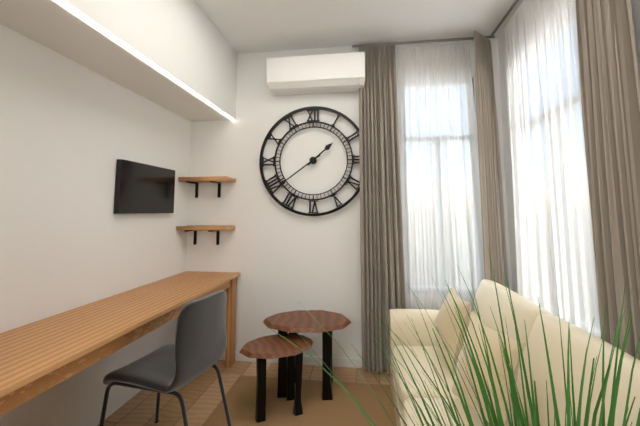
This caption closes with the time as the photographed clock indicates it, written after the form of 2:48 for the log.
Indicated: 1:39
